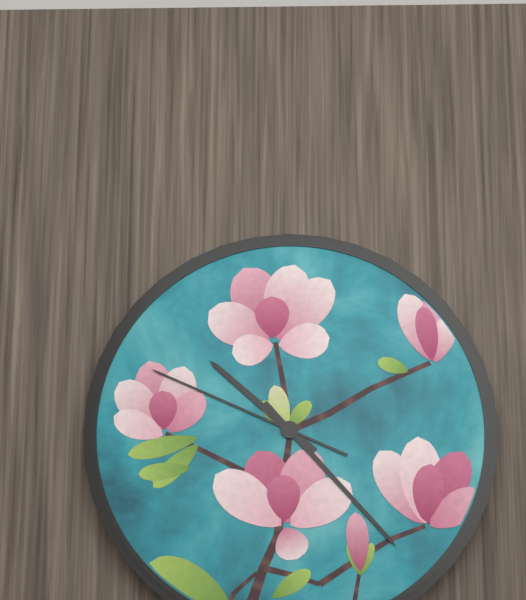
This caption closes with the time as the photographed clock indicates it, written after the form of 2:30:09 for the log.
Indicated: 10:23:49
